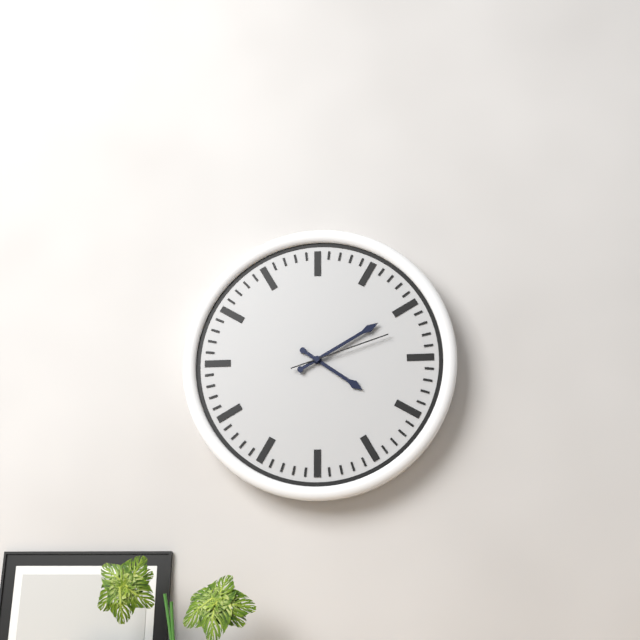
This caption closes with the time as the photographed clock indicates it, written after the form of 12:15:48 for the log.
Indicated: 4:10:12
